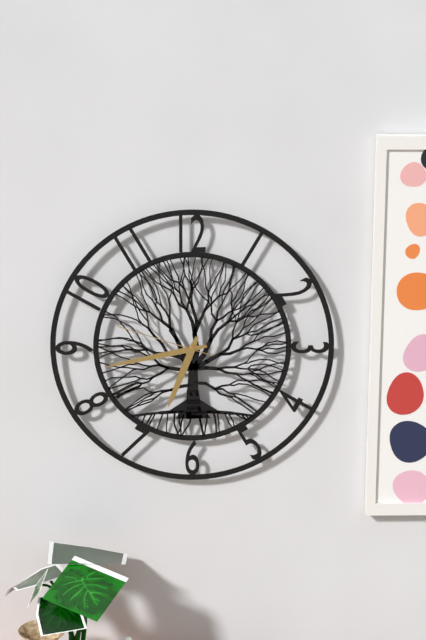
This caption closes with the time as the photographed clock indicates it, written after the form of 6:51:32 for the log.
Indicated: 6:43:48
